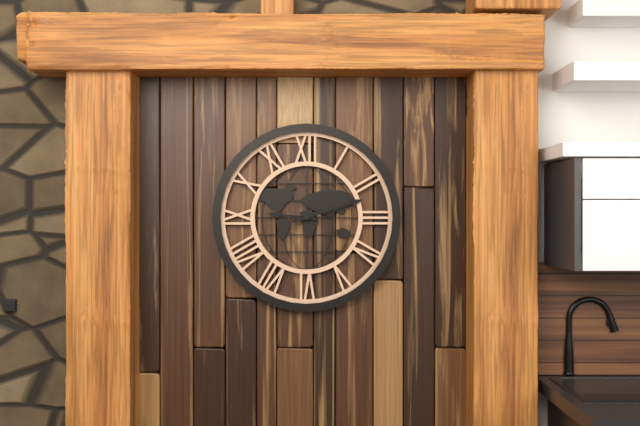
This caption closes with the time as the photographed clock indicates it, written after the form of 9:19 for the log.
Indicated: 9:12
